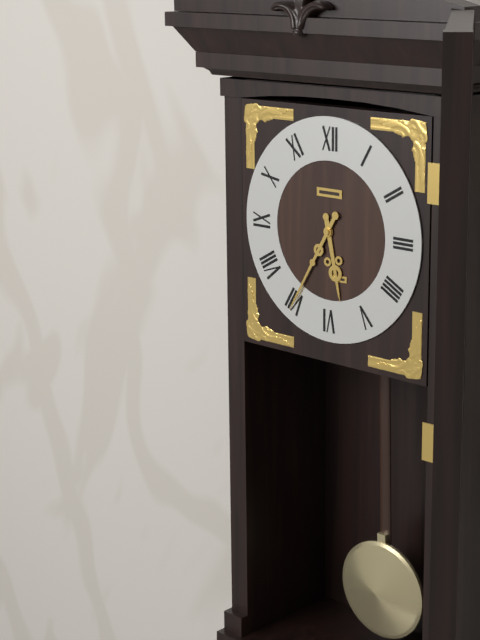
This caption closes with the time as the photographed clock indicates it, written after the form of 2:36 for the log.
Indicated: 5:35
